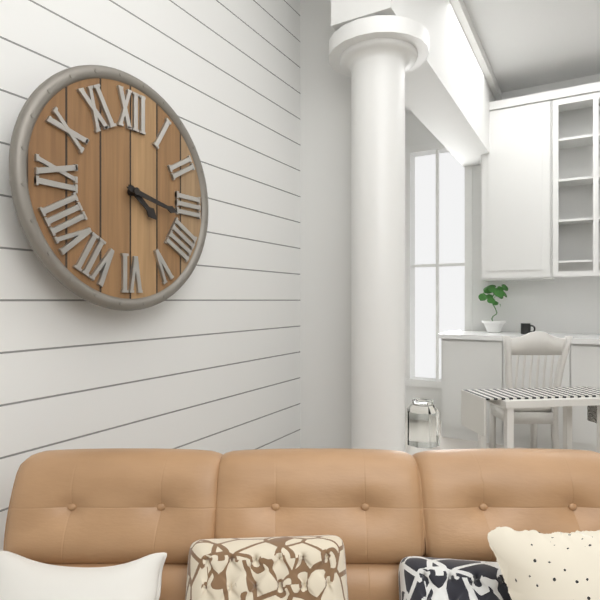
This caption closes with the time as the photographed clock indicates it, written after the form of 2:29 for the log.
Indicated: 4:17
